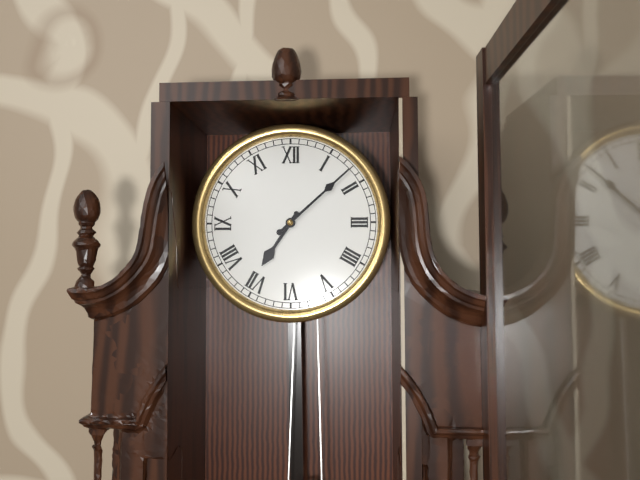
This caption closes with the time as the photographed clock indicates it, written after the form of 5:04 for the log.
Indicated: 7:08
